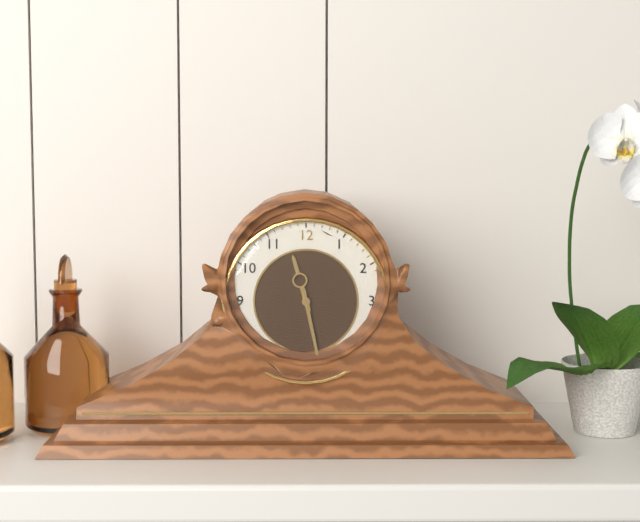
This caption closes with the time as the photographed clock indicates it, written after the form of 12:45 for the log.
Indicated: 11:28
